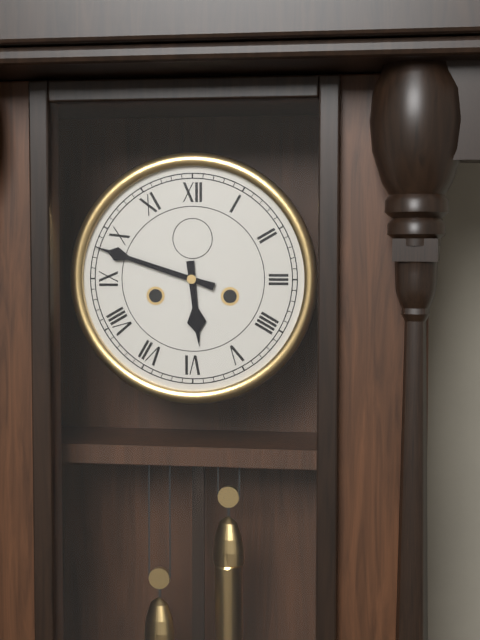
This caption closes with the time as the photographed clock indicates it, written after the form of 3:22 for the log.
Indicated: 5:48
